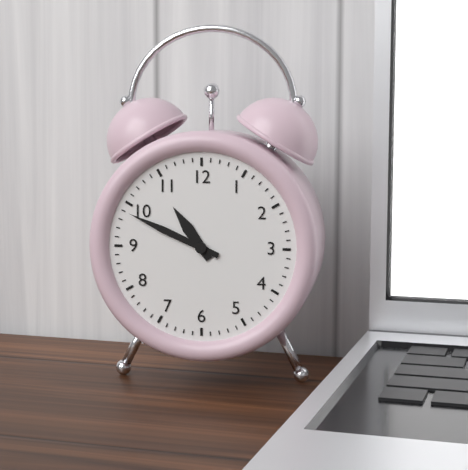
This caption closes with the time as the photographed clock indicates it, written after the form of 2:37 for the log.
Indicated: 10:49
